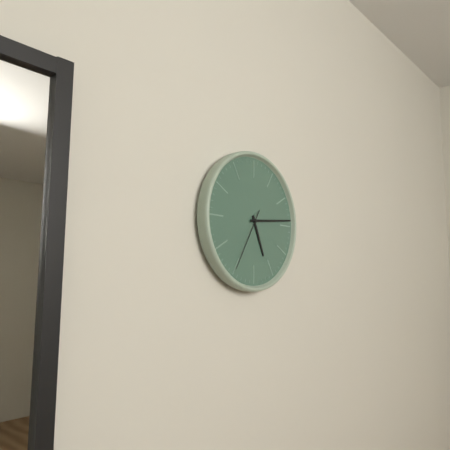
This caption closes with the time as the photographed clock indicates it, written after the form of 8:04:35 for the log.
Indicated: 5:14:35
